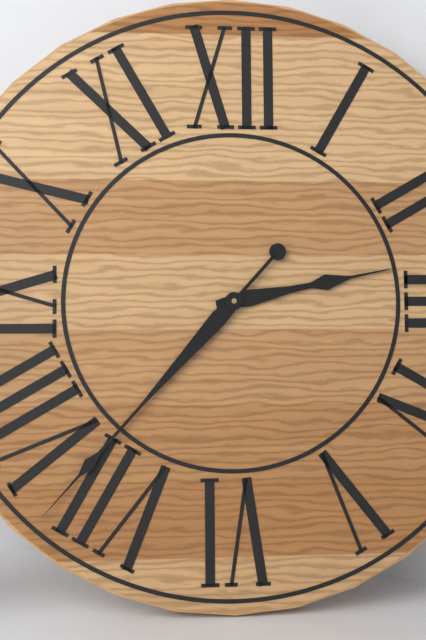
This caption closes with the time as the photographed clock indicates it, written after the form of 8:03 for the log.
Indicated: 2:37
